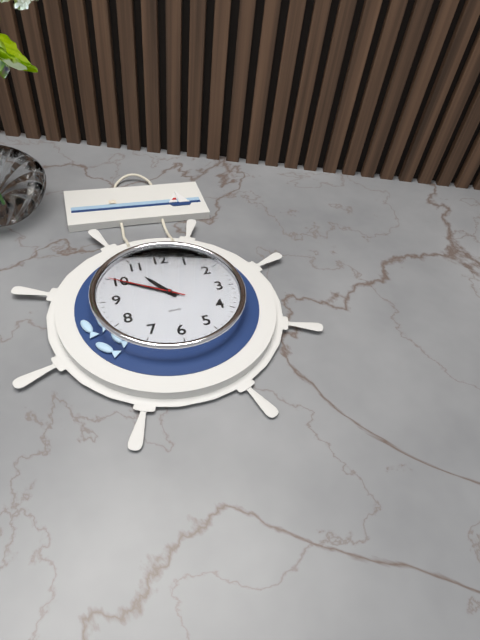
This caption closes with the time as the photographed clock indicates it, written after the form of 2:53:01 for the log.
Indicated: 10:50:50
